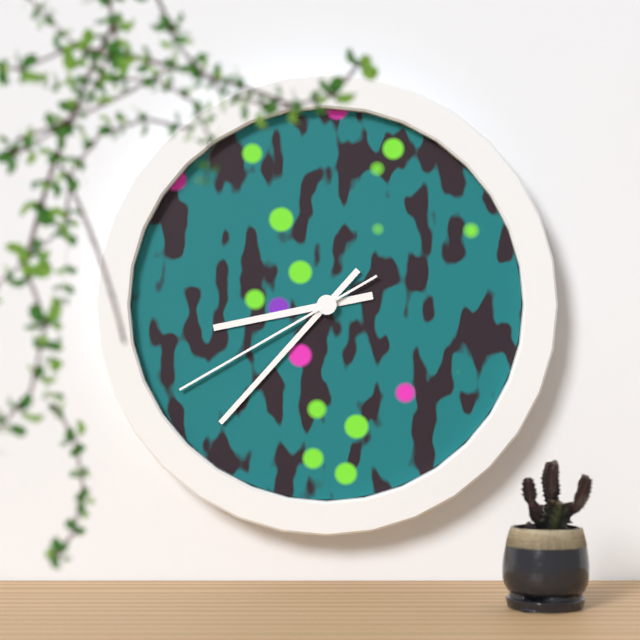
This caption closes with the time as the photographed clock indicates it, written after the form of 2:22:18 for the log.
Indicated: 8:37:40
